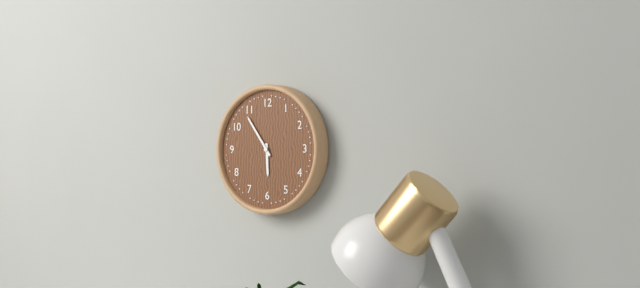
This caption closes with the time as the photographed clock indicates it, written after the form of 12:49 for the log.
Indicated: 5:54
